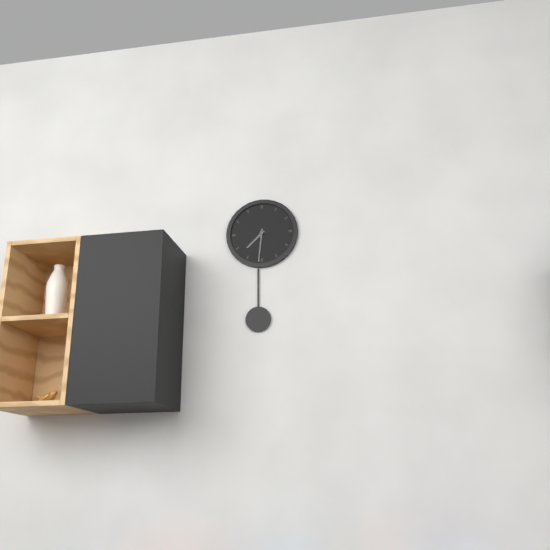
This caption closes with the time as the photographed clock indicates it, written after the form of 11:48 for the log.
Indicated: 7:31
